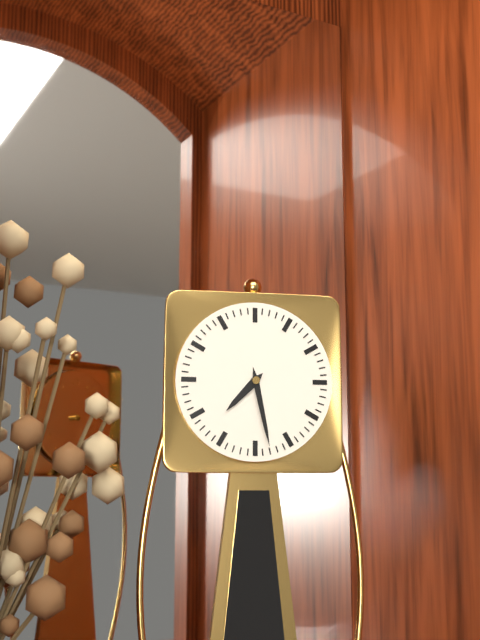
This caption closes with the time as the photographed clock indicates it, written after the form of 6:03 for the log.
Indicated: 7:28
